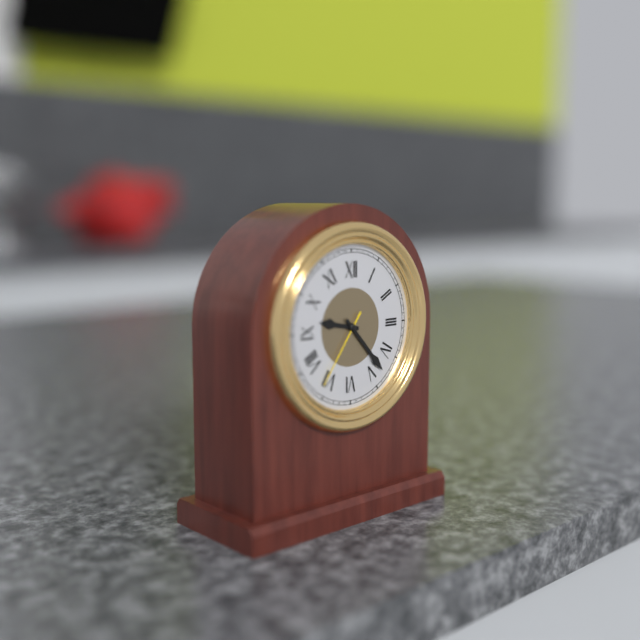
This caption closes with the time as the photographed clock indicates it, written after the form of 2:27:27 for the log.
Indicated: 9:23:36
